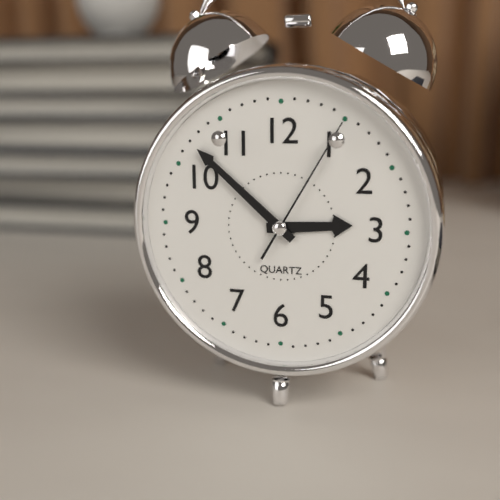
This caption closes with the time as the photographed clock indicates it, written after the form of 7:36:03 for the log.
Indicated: 2:52:05
